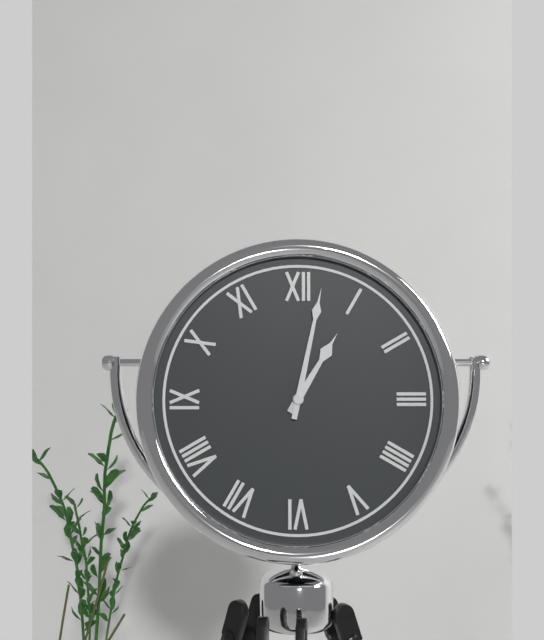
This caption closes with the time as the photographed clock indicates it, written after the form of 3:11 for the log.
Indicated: 1:02
